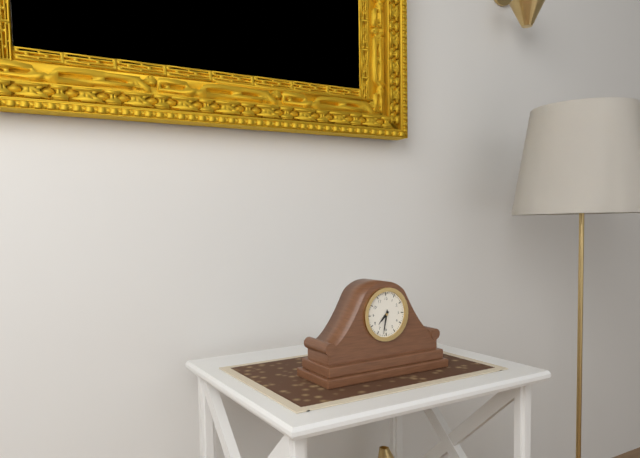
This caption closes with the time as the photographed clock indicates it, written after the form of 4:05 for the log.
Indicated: 7:32
